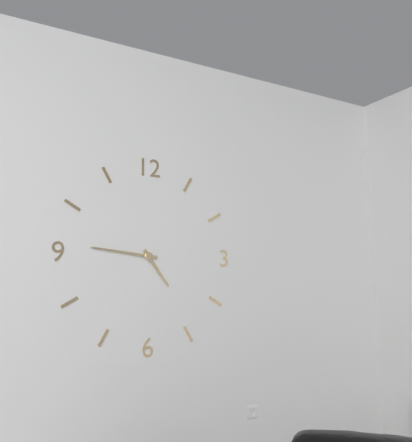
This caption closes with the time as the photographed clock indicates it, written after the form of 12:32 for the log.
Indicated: 4:46
